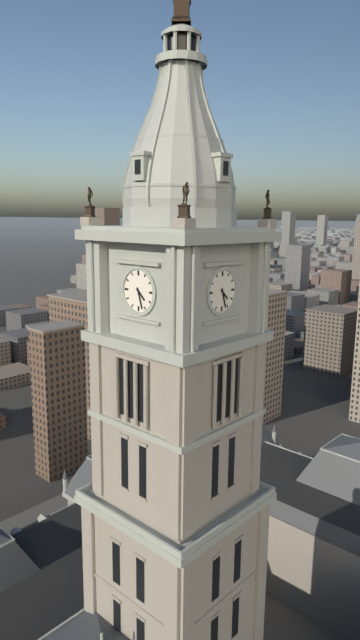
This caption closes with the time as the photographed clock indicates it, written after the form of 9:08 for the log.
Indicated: 4:27
